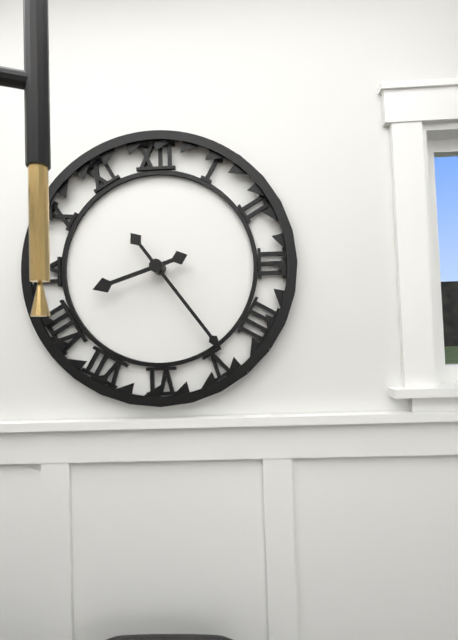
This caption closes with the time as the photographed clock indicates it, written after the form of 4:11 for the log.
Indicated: 8:24
